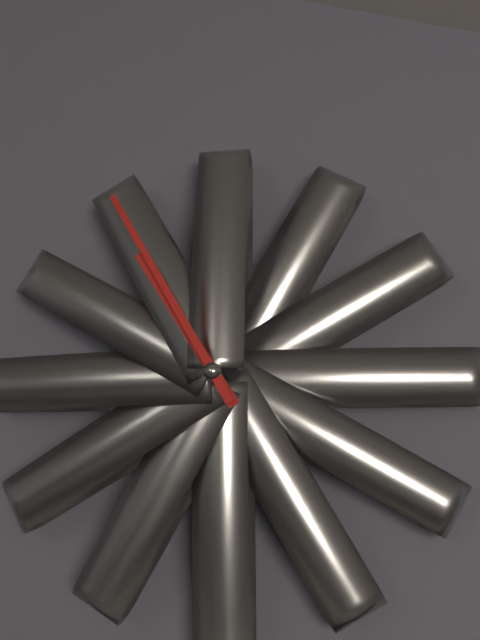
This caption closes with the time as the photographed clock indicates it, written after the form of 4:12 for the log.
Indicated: 10:55
